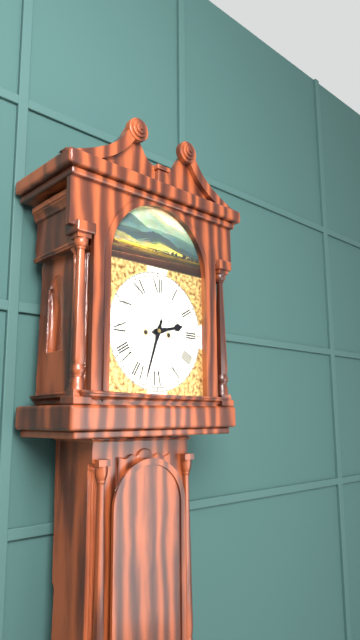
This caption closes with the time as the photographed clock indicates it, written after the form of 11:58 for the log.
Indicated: 2:33
